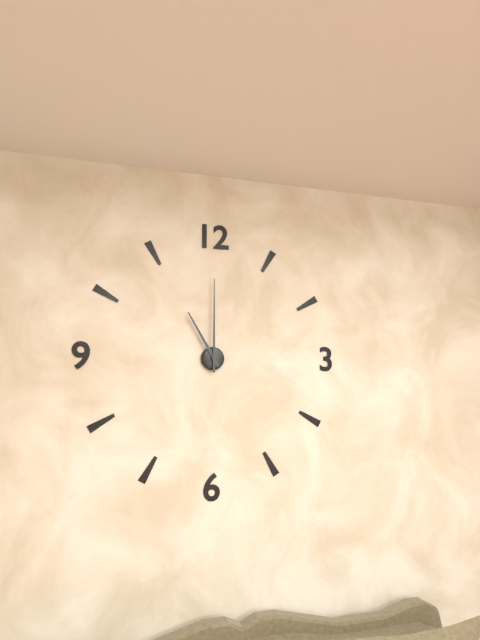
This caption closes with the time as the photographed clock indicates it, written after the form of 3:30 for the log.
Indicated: 11:00
